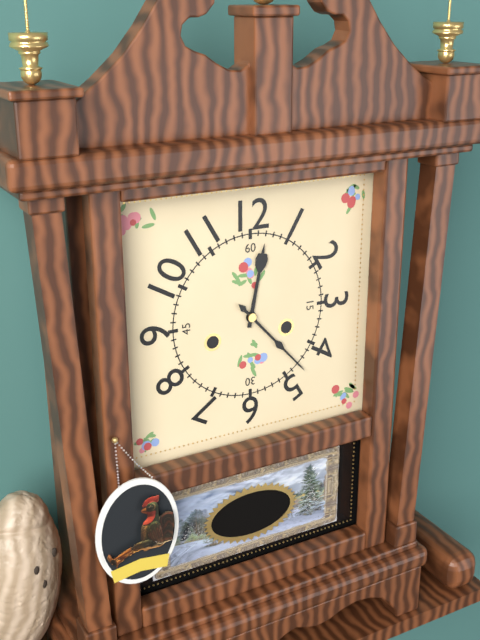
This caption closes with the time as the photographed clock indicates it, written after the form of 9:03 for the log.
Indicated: 12:23
